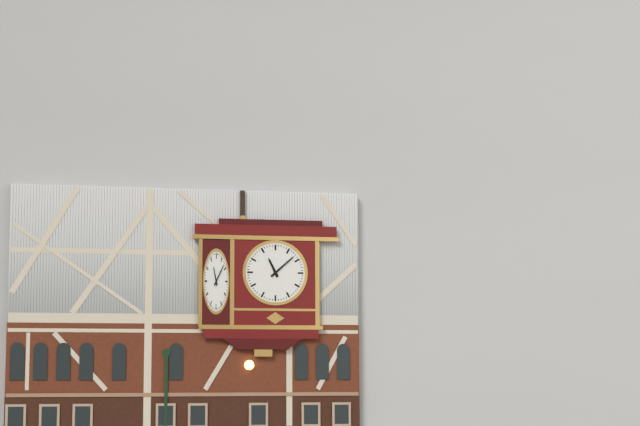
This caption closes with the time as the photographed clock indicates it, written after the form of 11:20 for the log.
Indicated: 11:08
